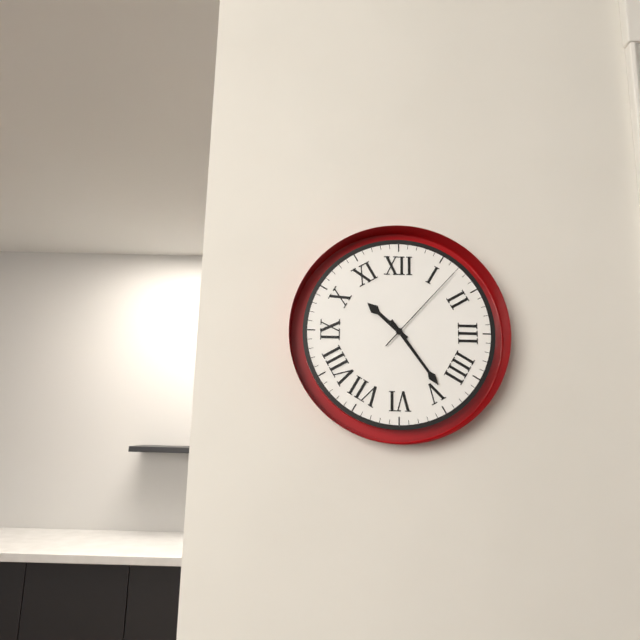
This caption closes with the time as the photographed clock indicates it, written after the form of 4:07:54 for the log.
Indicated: 10:24:07
